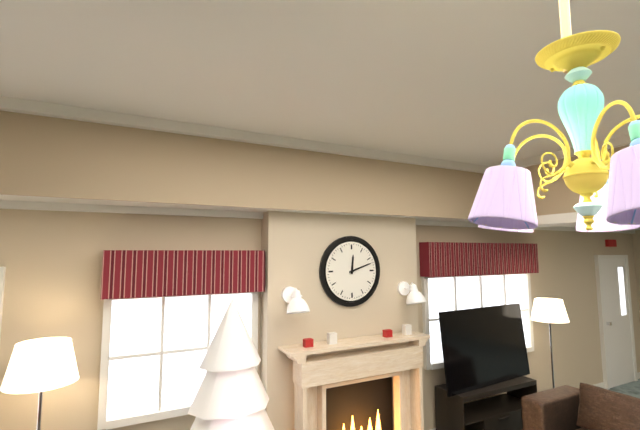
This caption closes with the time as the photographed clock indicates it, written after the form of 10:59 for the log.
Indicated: 12:12
